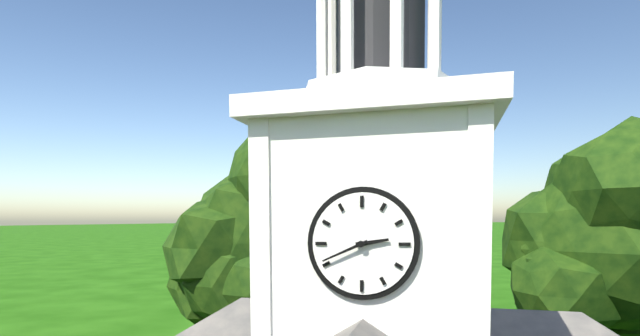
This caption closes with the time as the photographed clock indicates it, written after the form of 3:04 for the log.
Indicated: 2:41
